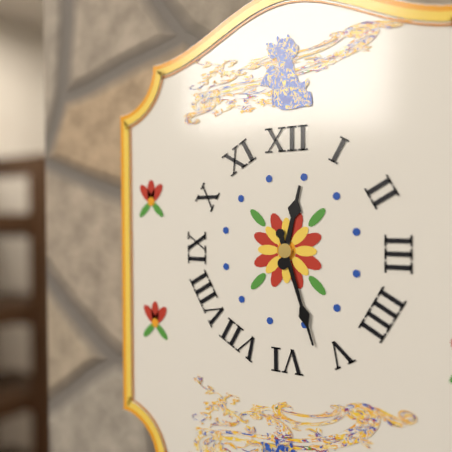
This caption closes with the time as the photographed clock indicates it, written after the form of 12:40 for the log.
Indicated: 12:27
